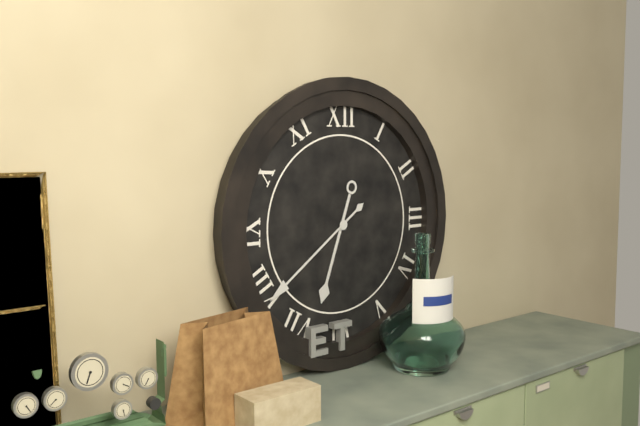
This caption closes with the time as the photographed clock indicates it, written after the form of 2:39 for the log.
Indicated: 6:39
